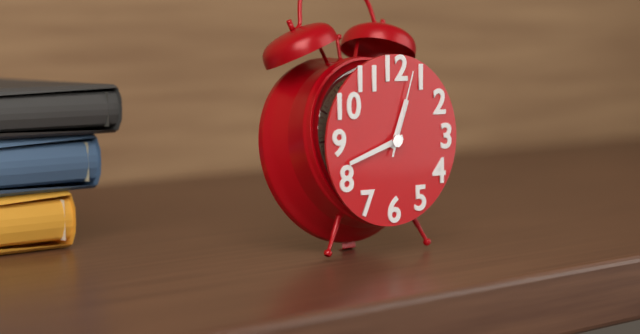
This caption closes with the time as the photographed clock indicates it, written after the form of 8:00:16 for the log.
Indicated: 12:42:03
